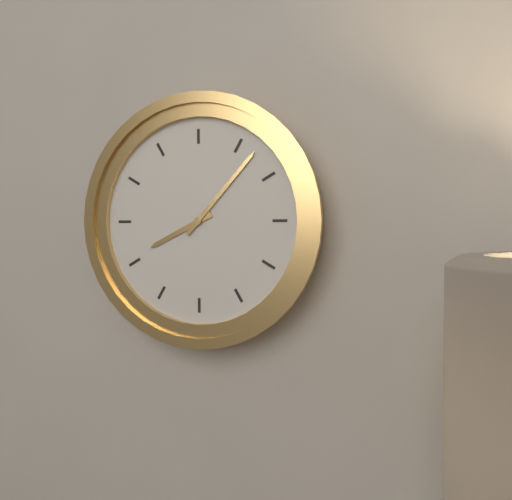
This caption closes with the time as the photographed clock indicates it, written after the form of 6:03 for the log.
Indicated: 8:07
